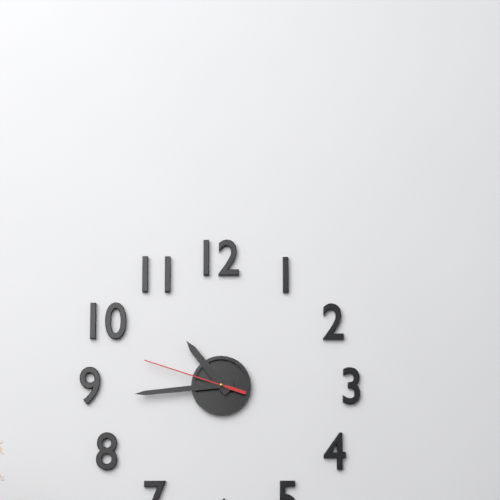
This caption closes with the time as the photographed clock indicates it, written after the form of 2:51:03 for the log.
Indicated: 10:44:48
